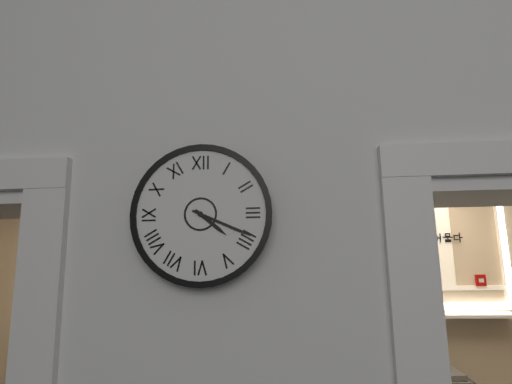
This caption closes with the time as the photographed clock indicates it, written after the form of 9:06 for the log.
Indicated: 4:19
